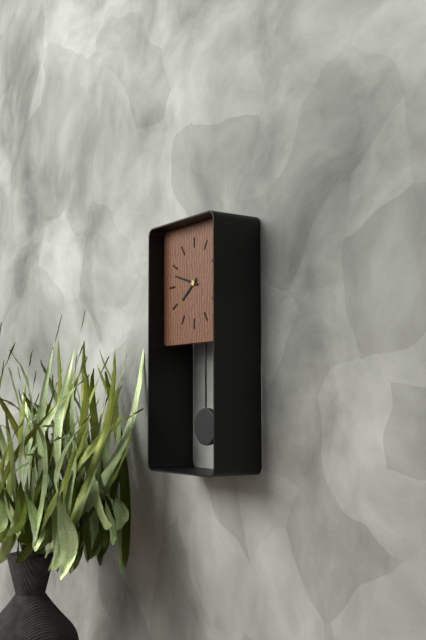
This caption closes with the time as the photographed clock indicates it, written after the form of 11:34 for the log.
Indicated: 7:48
